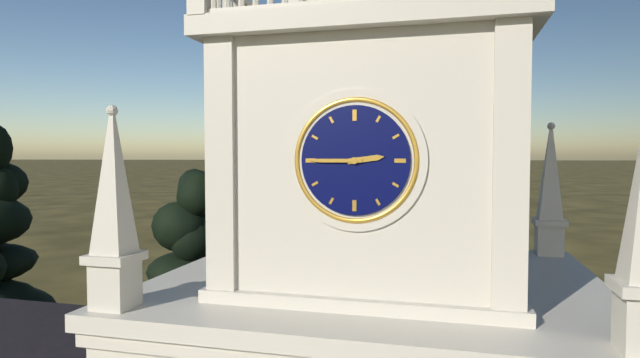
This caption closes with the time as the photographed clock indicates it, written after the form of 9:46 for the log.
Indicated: 2:45
